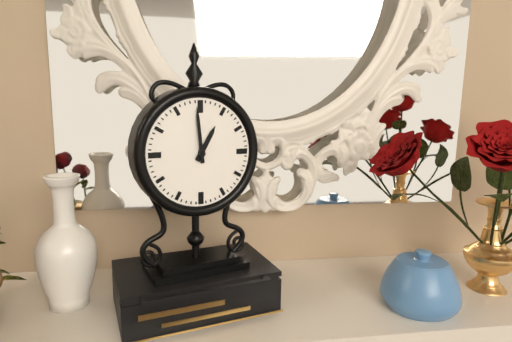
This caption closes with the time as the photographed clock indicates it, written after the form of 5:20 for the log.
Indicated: 12:59
